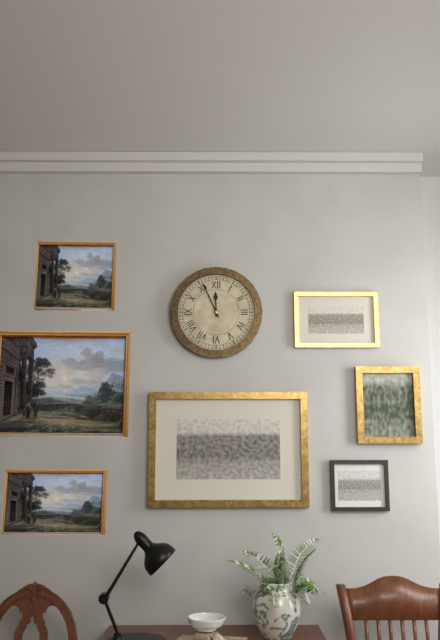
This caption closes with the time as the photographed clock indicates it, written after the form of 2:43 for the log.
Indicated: 11:56
